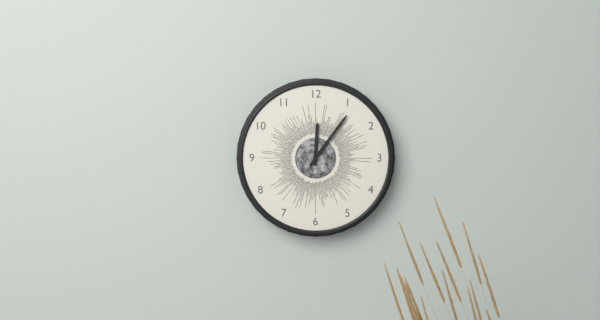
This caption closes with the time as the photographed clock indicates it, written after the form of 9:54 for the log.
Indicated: 12:06
